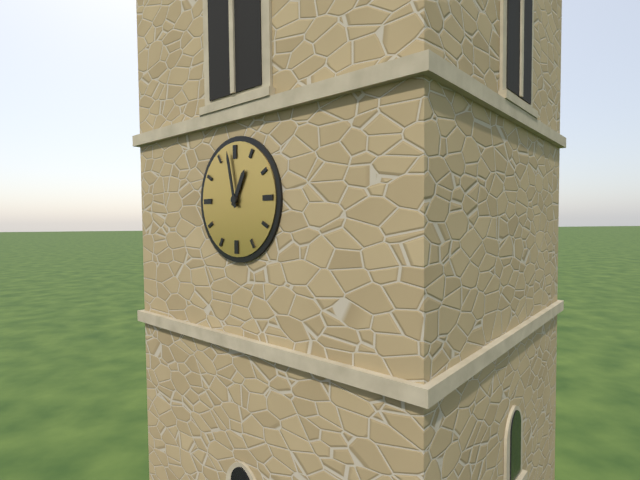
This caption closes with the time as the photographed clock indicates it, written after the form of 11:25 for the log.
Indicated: 12:58
